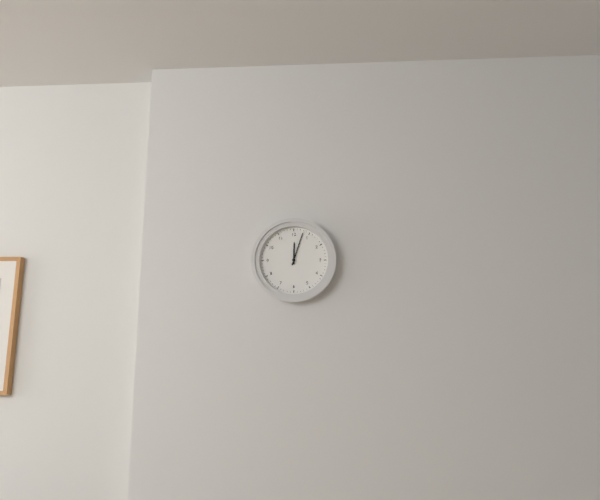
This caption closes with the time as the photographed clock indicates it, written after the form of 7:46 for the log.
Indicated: 12:03
